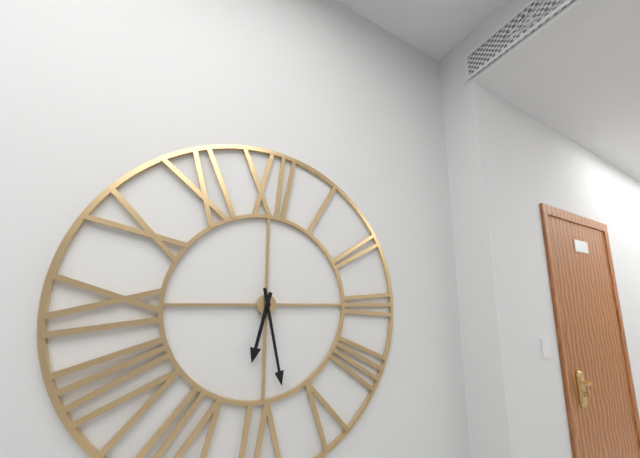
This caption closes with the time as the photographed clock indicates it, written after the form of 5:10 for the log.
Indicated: 6:28
